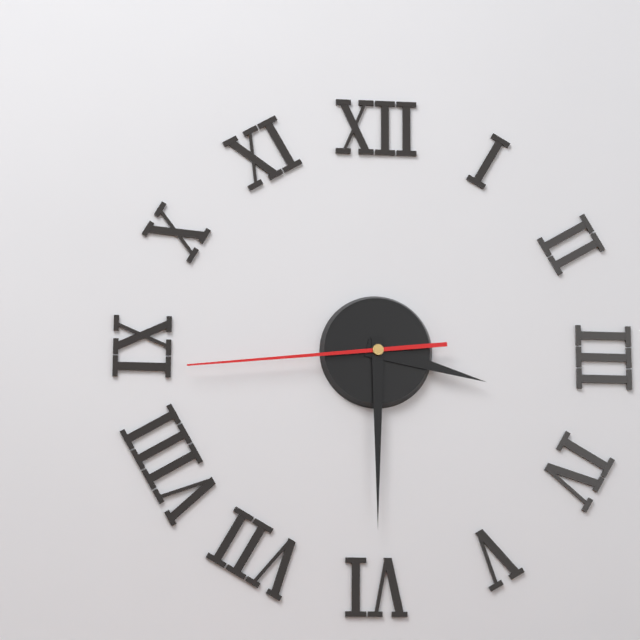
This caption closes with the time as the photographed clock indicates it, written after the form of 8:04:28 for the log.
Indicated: 3:30:44
